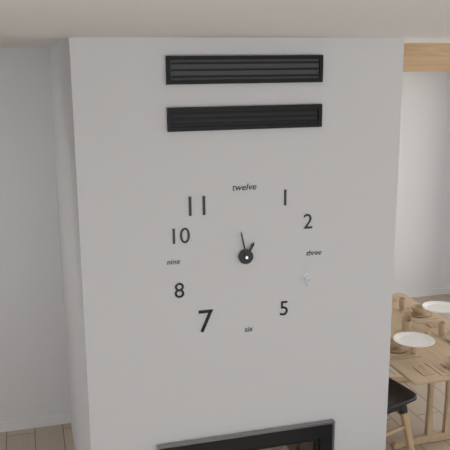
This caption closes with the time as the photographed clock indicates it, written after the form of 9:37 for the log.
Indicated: 12:58
